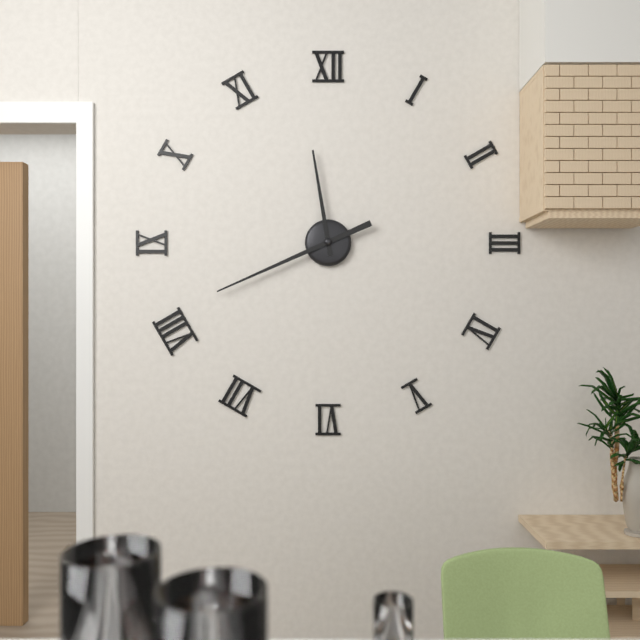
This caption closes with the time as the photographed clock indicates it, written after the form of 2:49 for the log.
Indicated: 11:41
